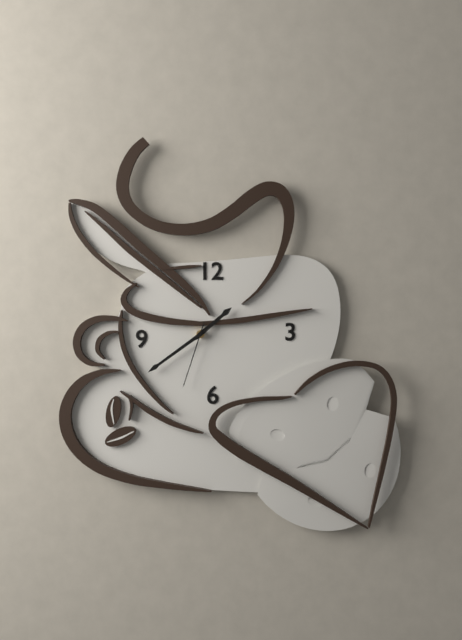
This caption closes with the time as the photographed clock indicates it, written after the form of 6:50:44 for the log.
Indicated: 1:39:33
